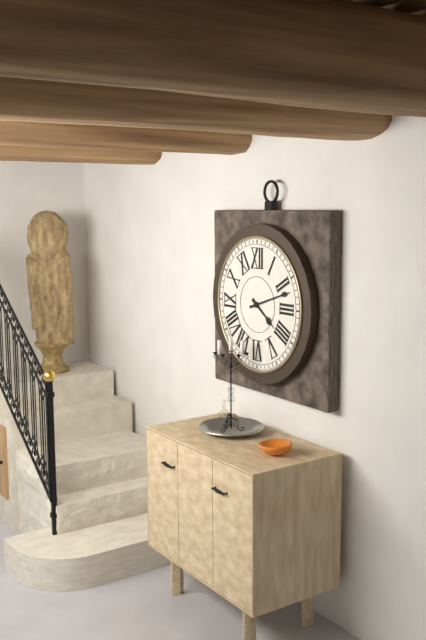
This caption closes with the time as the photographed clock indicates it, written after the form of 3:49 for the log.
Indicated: 4:12
